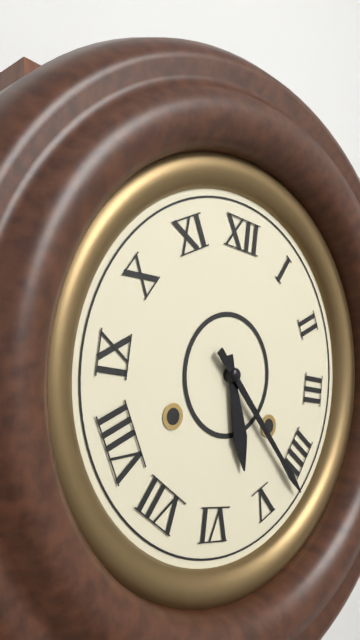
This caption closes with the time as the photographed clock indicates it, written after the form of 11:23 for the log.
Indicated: 5:22
